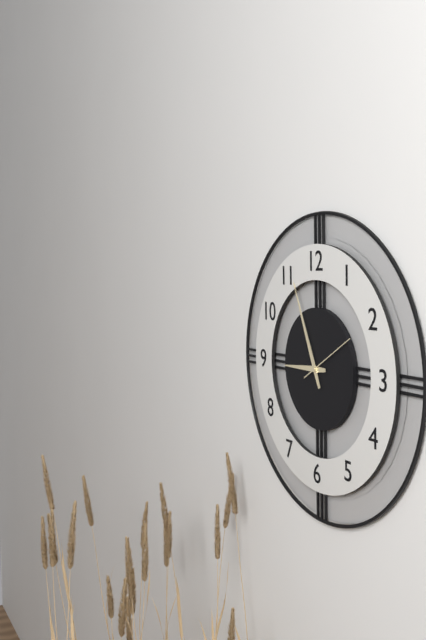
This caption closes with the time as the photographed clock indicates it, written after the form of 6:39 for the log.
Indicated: 8:56
